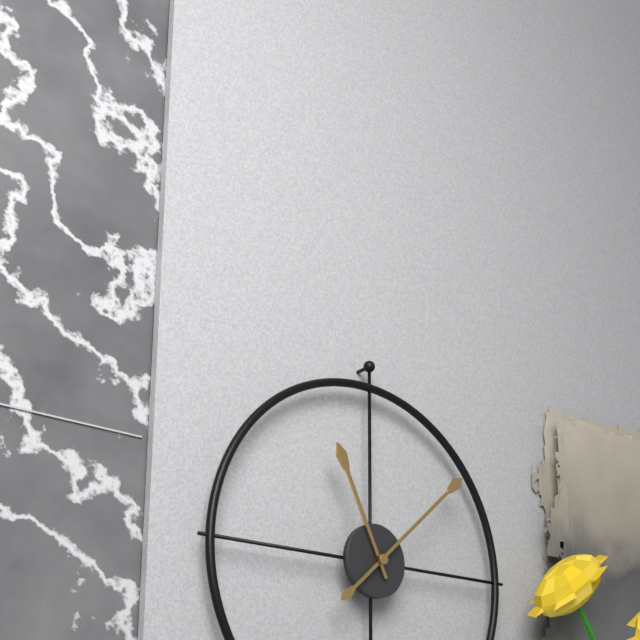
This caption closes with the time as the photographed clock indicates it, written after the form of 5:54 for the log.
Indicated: 11:08
